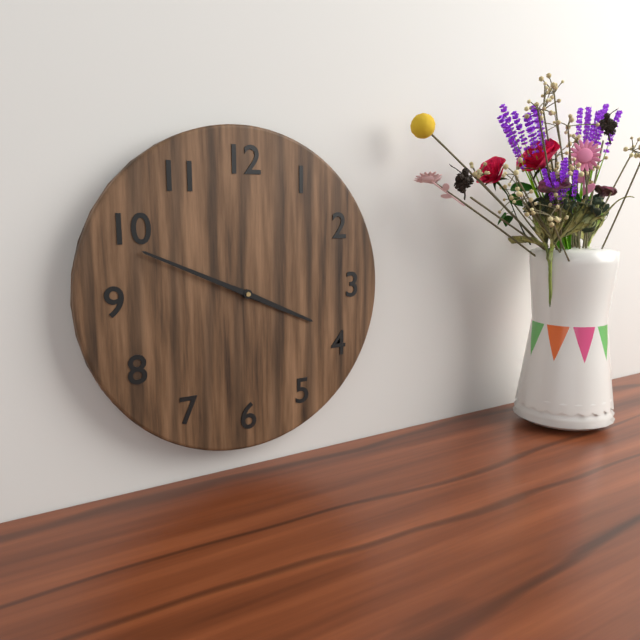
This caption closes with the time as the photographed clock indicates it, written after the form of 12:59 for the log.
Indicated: 3:49
